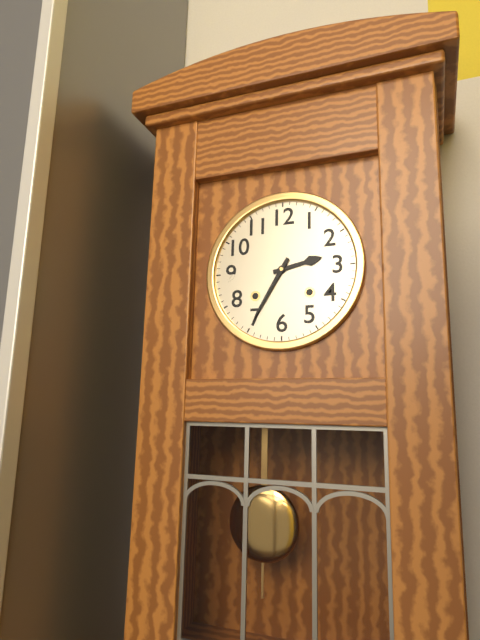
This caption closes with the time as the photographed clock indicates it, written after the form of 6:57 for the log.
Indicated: 2:35
